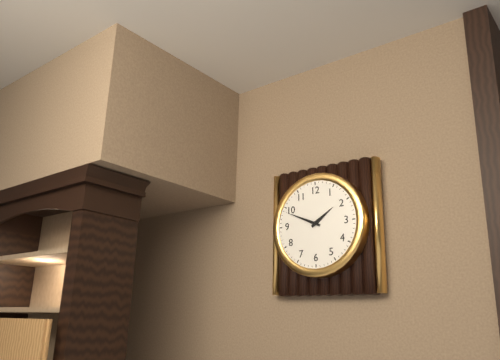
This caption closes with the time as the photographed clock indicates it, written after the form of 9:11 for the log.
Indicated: 1:49
